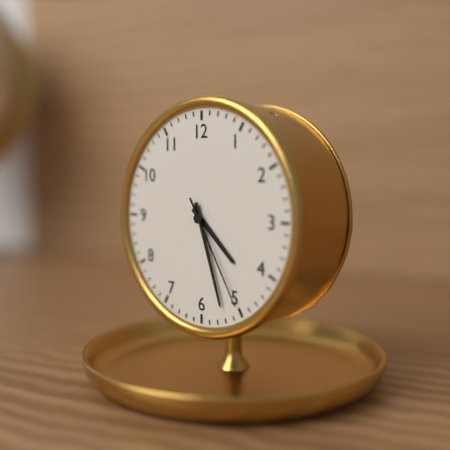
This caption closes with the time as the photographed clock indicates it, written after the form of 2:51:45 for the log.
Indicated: 4:27:25
